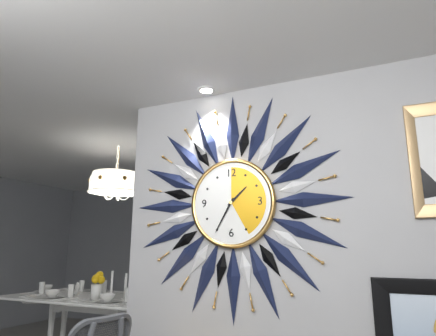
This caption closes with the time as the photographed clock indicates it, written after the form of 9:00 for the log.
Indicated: 1:35
